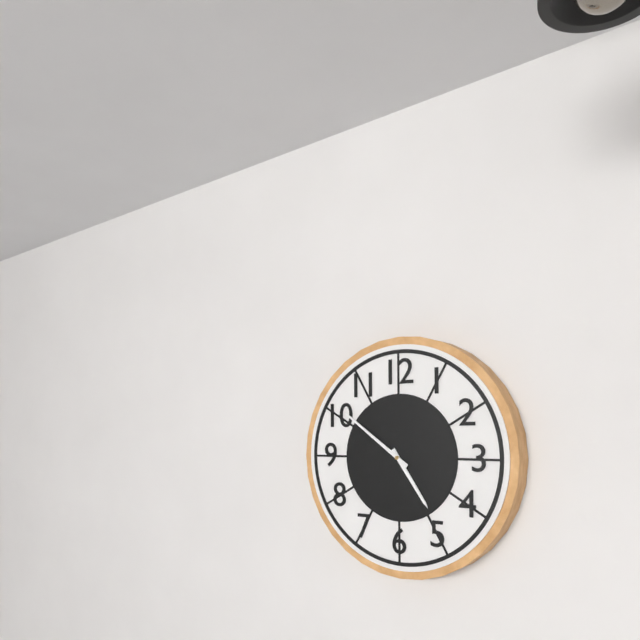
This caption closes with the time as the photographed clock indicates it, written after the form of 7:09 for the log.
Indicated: 4:51
